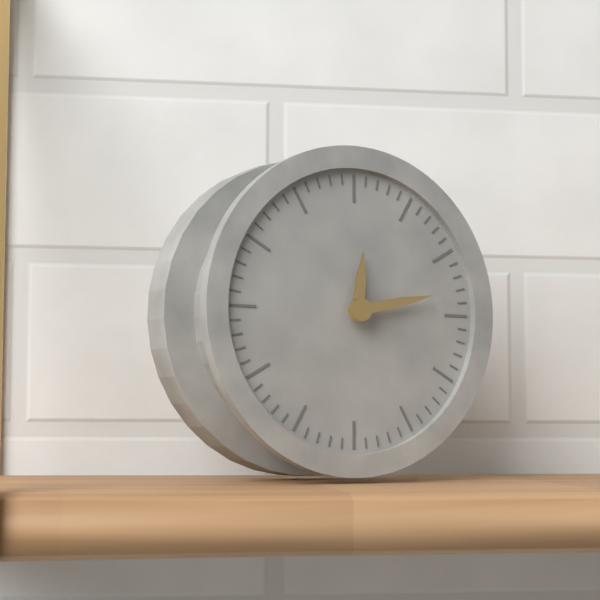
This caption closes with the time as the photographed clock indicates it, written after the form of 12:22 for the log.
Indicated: 12:13
